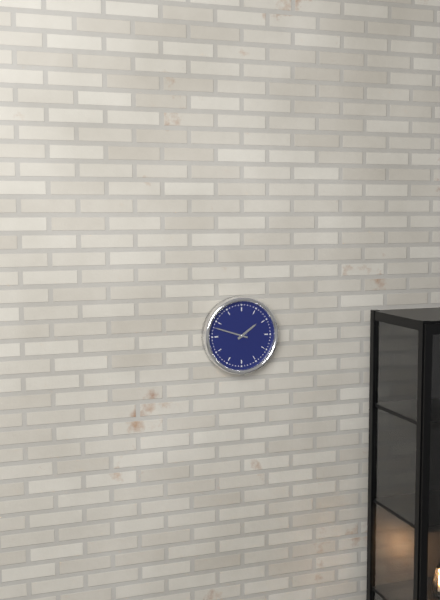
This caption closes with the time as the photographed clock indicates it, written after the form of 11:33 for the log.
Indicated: 1:48
